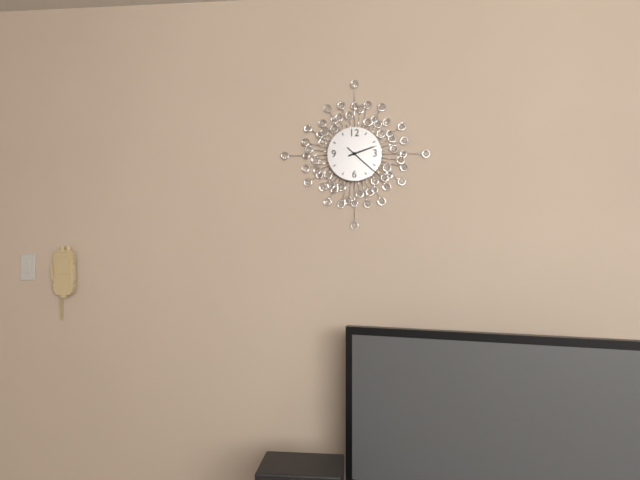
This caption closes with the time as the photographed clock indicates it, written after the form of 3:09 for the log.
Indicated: 2:22
